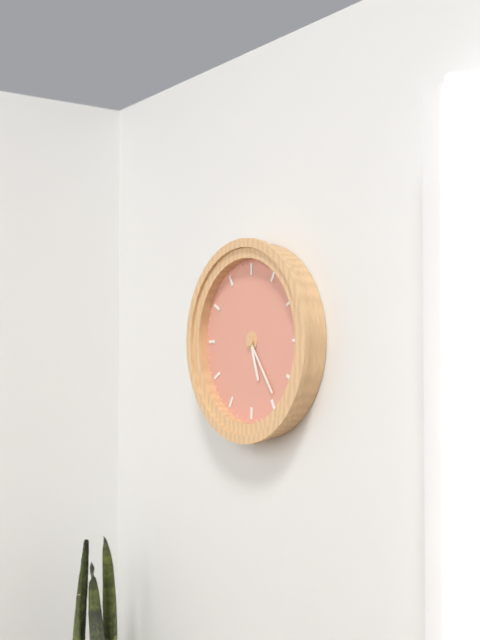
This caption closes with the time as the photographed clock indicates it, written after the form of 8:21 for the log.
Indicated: 5:24
